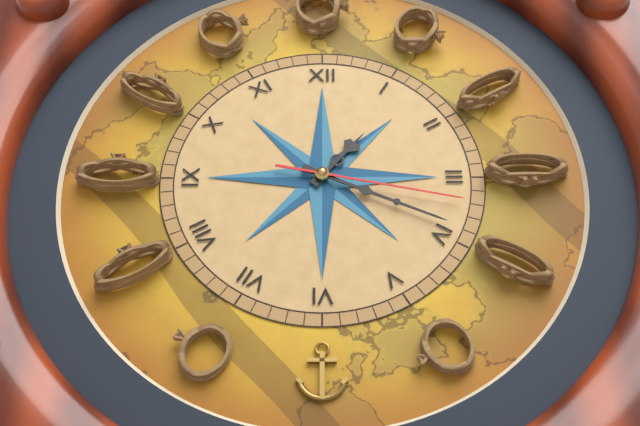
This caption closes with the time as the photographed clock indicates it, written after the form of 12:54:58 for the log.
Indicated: 1:19:17
